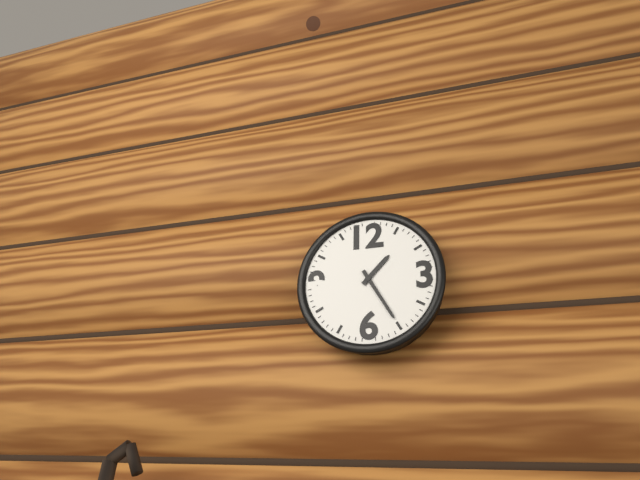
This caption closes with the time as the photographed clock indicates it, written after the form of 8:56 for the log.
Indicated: 1:25
